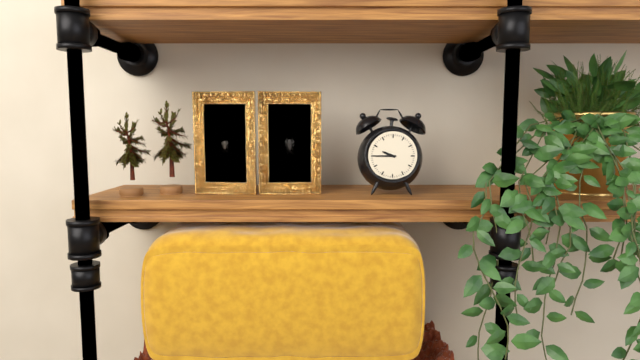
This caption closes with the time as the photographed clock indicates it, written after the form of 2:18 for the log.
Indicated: 9:45
